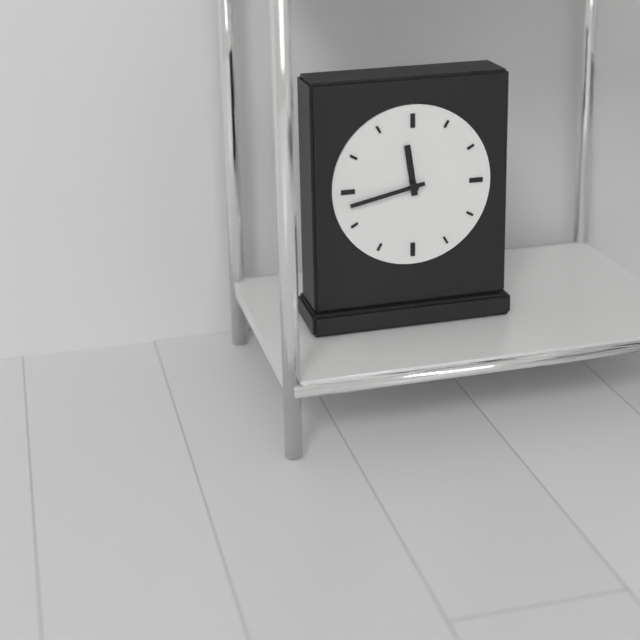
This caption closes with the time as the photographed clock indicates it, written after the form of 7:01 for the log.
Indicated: 11:43
